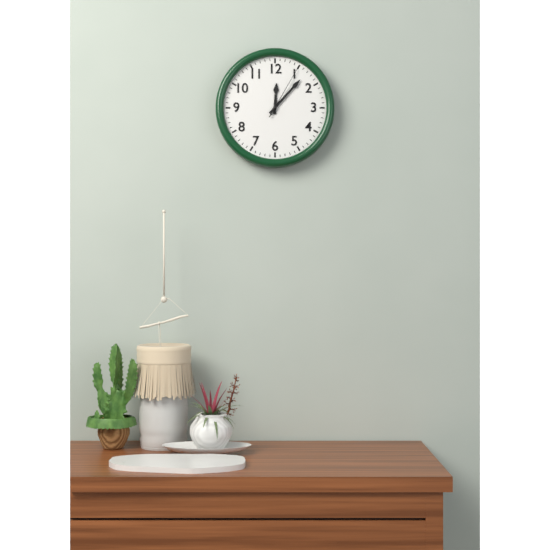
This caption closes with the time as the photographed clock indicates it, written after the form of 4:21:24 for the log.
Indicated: 12:07:05
